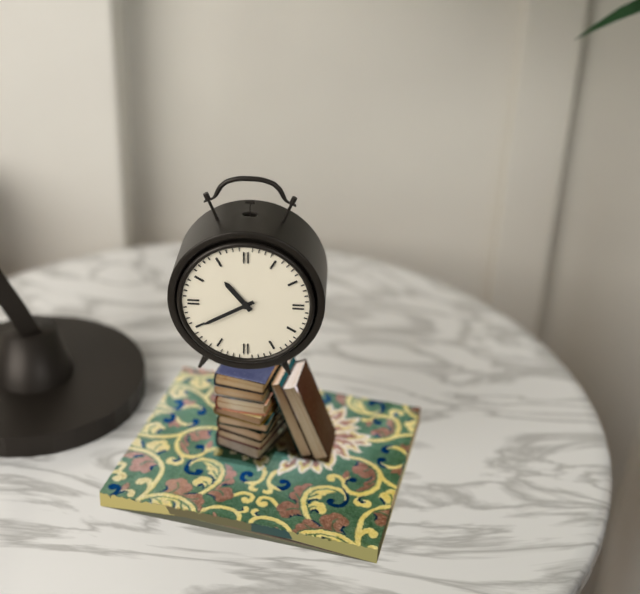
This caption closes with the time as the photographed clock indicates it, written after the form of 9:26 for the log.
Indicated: 10:40
